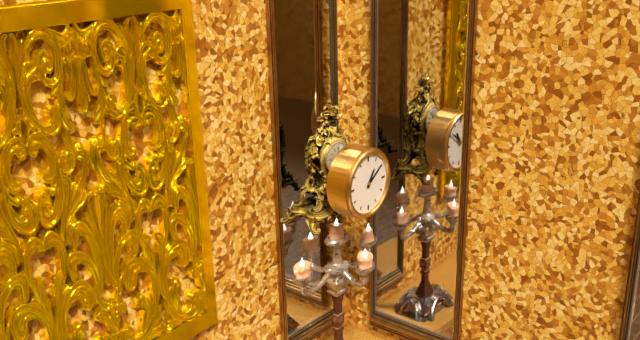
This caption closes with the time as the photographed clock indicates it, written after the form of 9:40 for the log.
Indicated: 1:09
